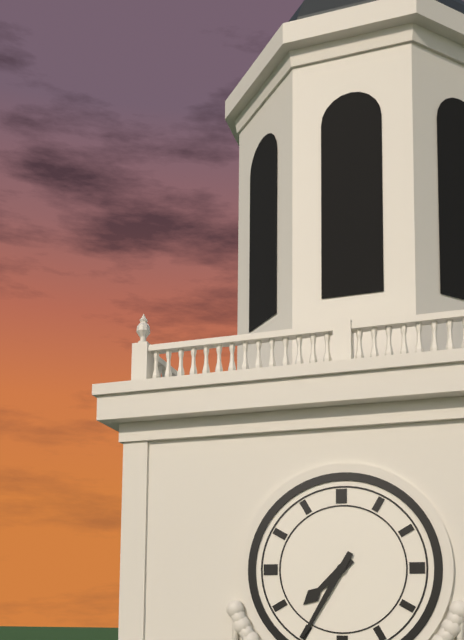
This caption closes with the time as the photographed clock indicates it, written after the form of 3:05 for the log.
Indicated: 7:35
